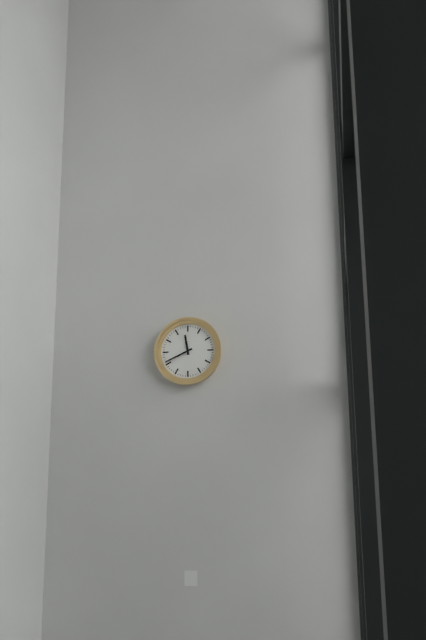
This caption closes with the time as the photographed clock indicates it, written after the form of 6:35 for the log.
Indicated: 11:41
